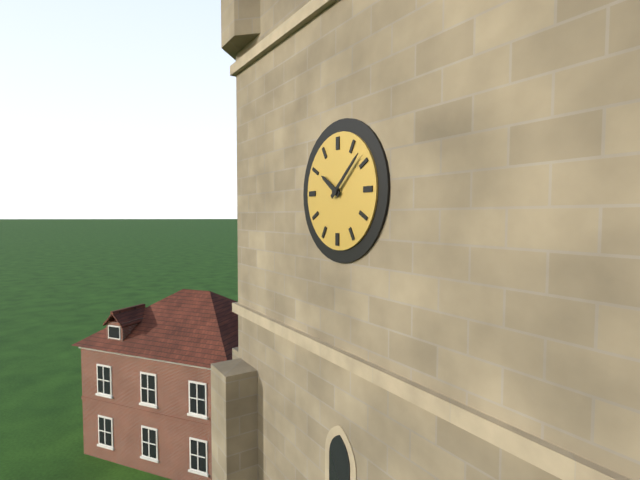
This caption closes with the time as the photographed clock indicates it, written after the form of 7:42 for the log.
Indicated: 10:08
